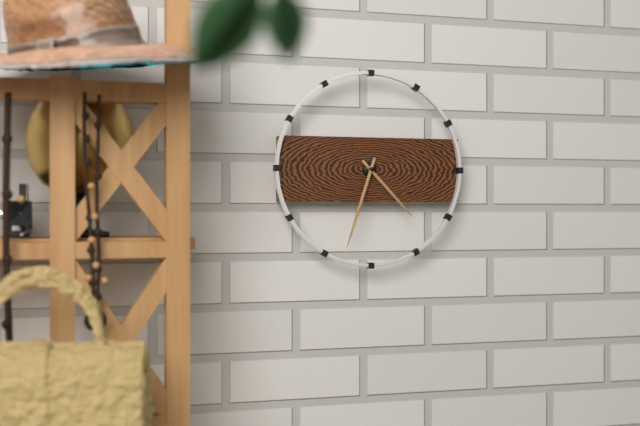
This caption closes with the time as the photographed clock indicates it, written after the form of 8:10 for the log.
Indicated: 4:33
